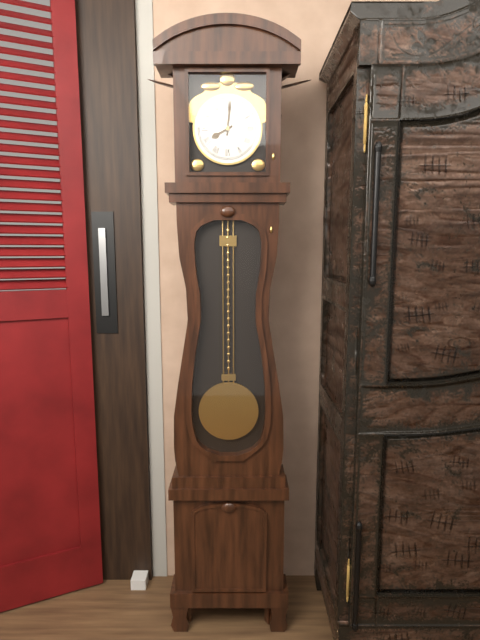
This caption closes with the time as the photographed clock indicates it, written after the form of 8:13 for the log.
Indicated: 8:01
